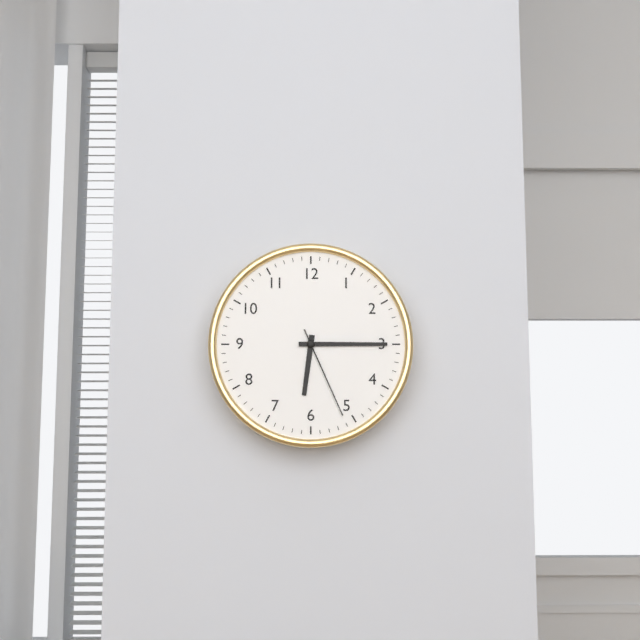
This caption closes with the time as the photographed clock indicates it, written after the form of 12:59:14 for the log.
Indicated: 6:15:26
